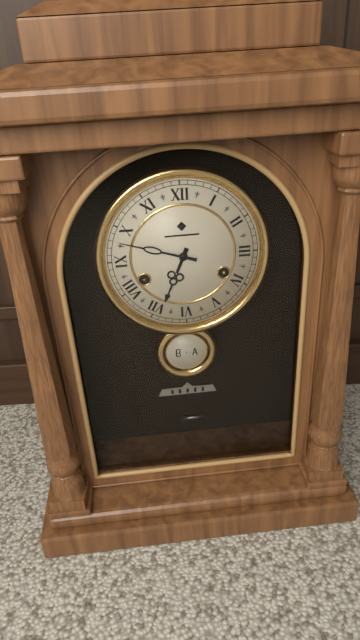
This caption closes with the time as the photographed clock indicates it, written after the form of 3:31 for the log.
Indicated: 6:48
